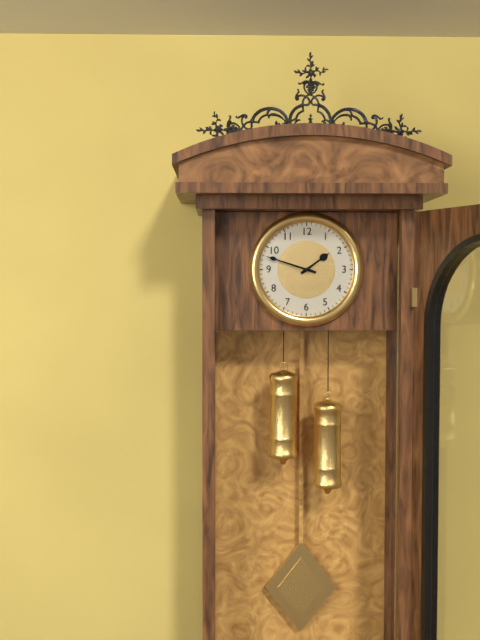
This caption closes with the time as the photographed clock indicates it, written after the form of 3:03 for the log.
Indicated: 1:48
